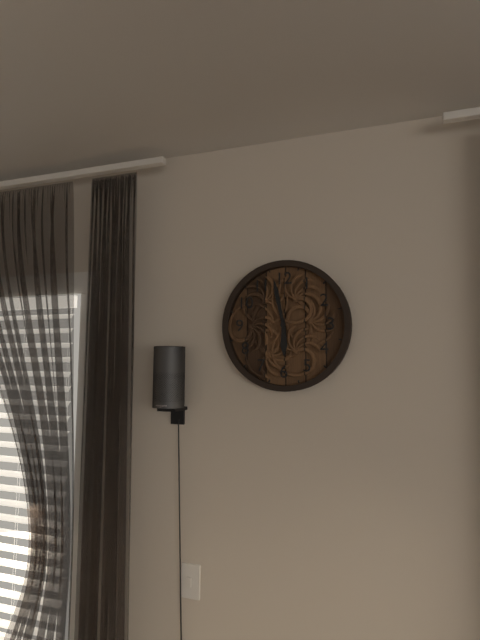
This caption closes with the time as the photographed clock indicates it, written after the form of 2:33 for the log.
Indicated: 5:58
